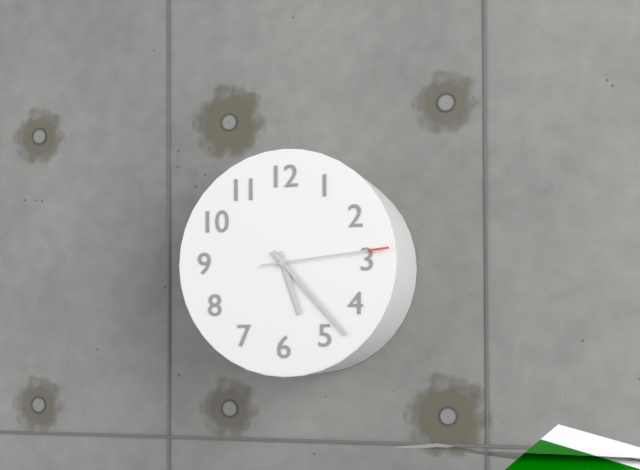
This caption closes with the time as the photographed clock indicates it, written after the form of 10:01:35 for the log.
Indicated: 5:23:14
